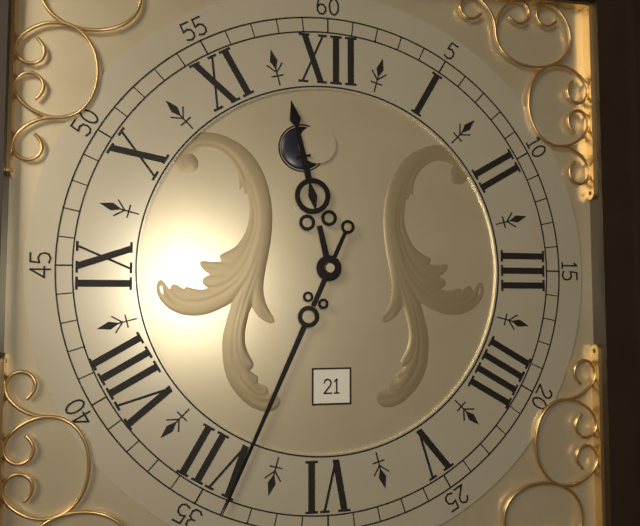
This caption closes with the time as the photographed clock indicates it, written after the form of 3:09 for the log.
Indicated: 11:34
